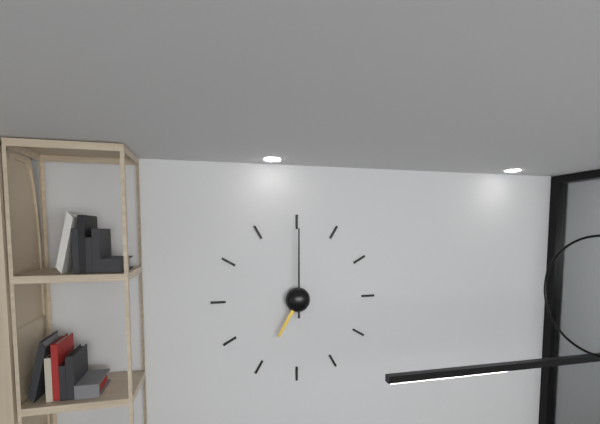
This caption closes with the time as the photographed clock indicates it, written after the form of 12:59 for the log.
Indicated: 7:00
